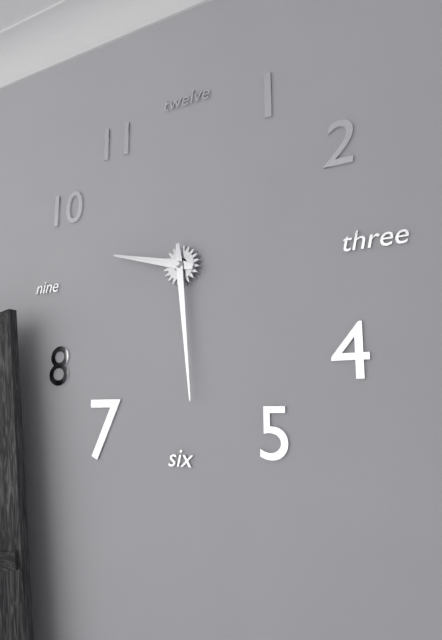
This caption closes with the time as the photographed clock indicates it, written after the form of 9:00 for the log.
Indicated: 9:29
